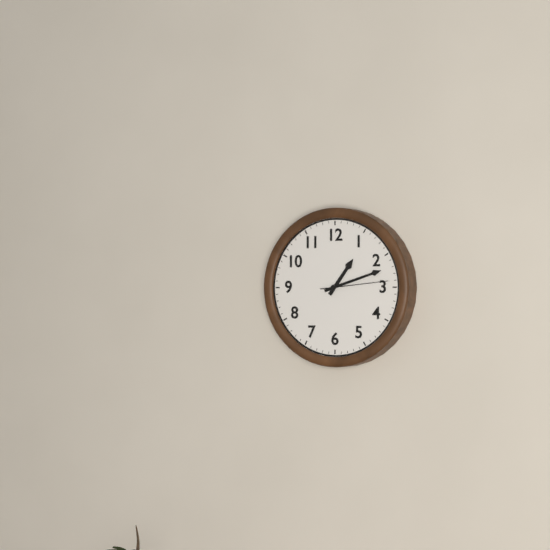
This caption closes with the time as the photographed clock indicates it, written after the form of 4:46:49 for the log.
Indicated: 1:12:14
